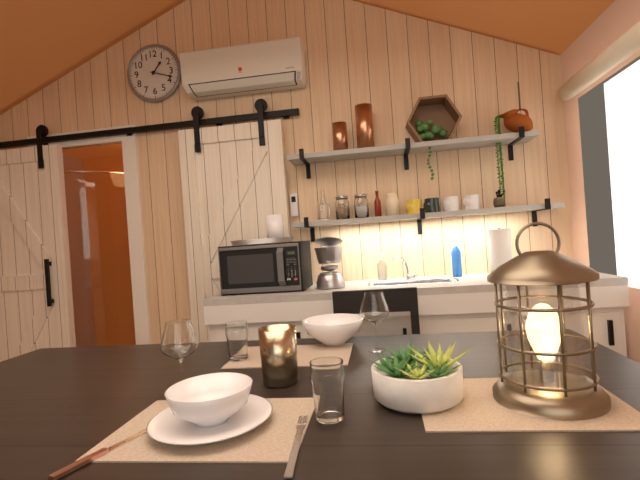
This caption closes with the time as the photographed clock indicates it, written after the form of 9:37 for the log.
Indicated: 1:18
